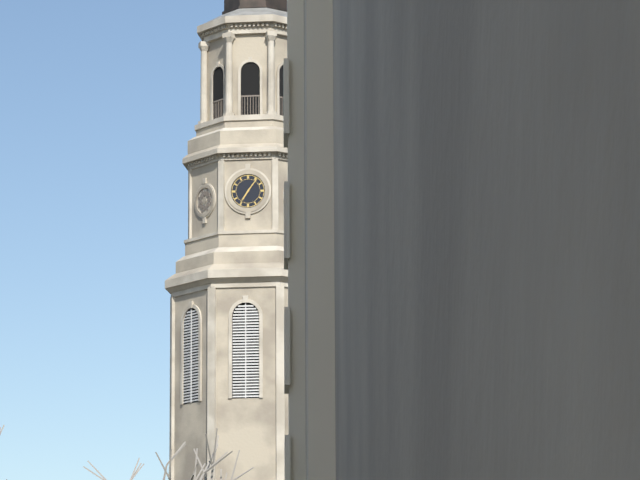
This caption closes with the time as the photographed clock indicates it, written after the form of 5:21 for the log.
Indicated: 7:06
